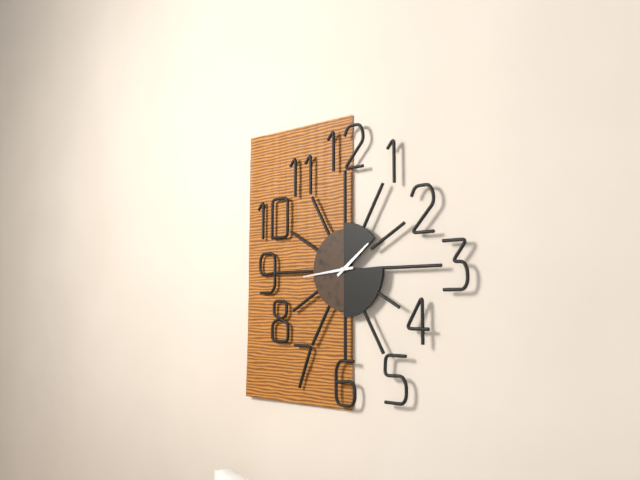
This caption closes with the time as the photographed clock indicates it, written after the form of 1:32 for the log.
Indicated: 1:44
